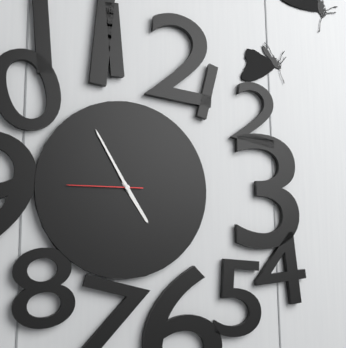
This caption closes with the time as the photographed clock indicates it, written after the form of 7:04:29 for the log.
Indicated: 4:55:45
